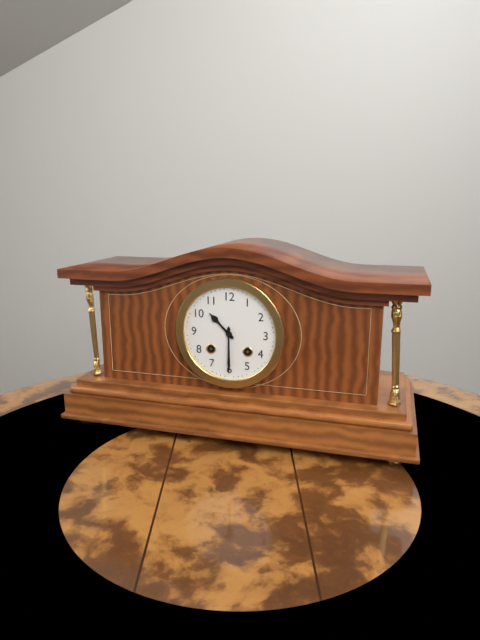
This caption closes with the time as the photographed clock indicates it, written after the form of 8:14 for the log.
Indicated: 10:30
